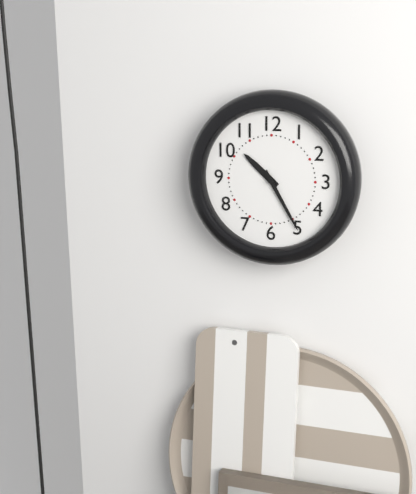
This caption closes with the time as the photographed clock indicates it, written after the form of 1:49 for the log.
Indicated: 10:25
